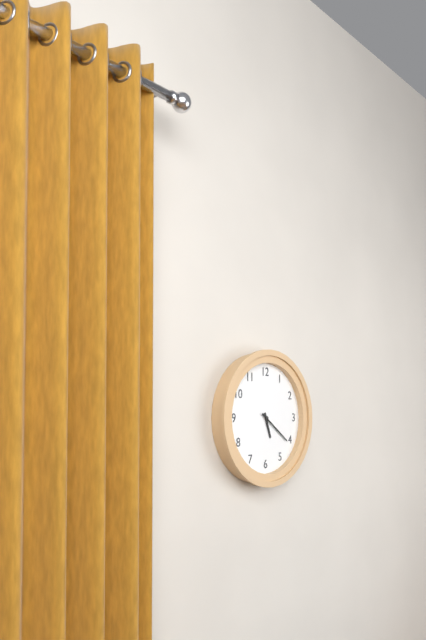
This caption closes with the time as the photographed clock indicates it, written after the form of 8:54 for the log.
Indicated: 5:21
